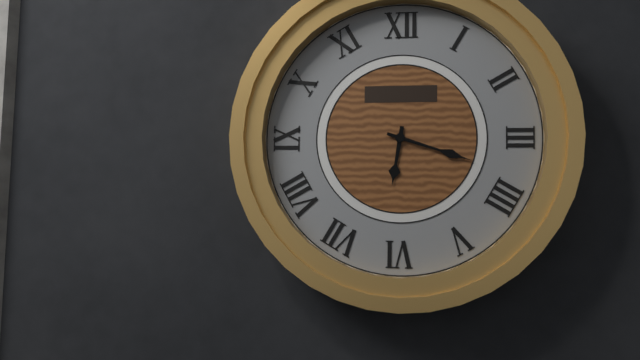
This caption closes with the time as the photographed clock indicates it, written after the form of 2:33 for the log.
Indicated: 6:18
